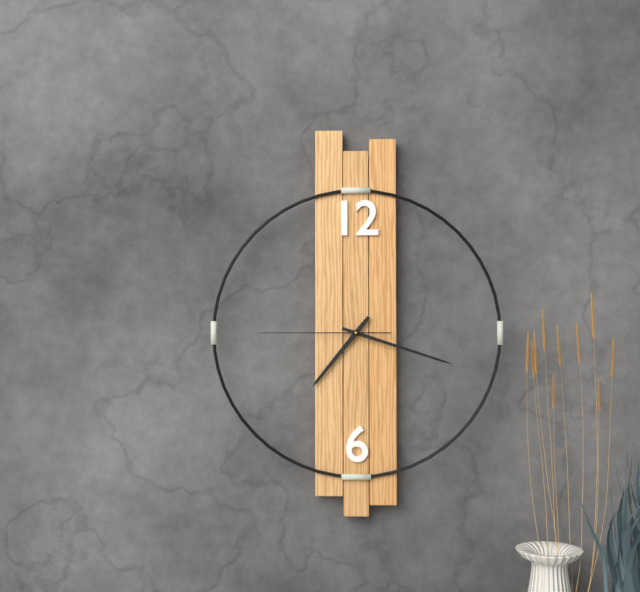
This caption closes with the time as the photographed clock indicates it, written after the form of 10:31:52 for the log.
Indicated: 7:18:45
